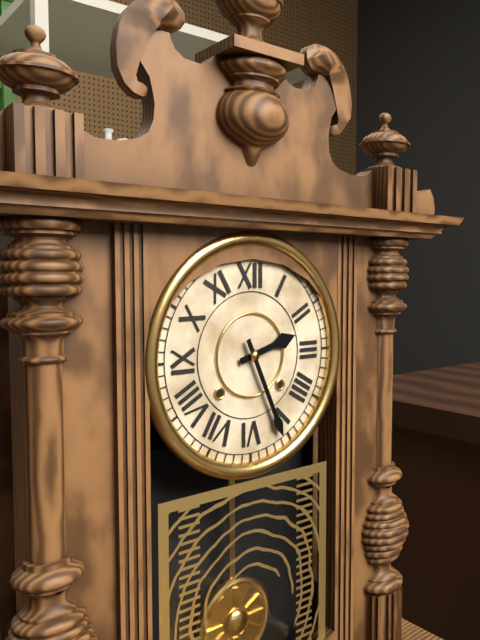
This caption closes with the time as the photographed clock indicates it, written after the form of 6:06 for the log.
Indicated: 2:26
